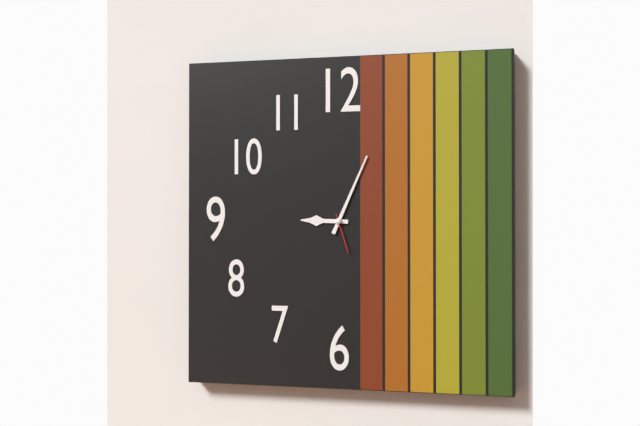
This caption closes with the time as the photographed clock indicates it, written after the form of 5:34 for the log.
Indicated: 9:04
